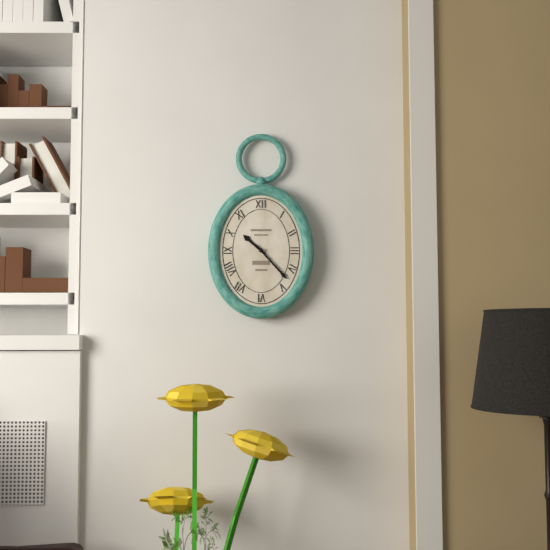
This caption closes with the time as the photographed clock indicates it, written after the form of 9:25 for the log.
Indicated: 10:23
